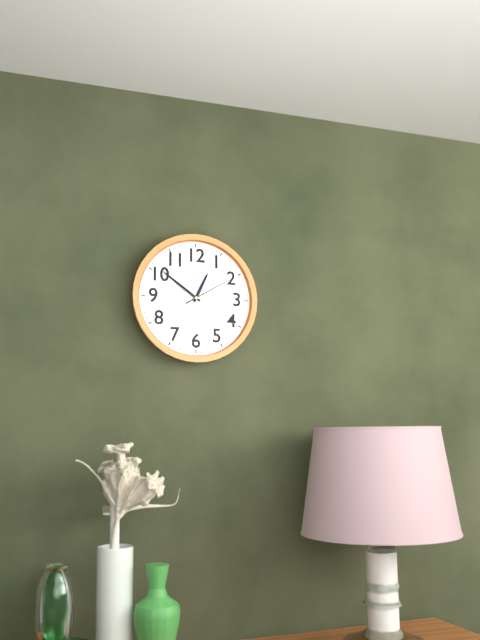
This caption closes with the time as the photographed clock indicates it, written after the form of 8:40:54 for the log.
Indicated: 12:51:10
